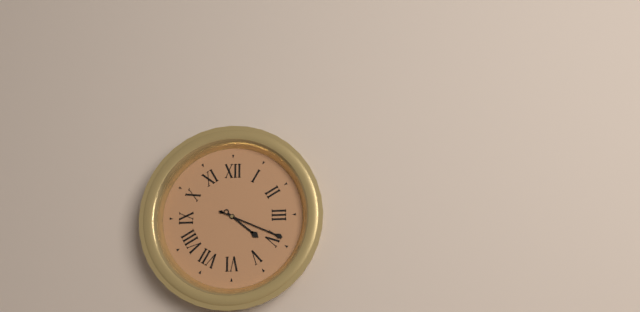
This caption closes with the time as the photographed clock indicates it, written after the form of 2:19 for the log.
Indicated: 4:19
